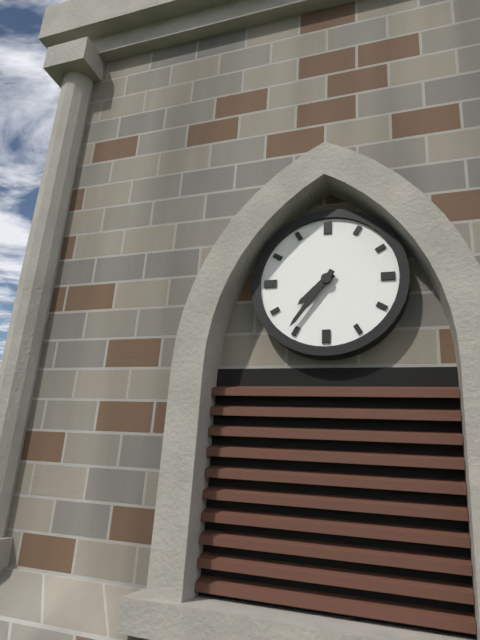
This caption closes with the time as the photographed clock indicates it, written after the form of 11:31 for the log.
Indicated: 7:36
